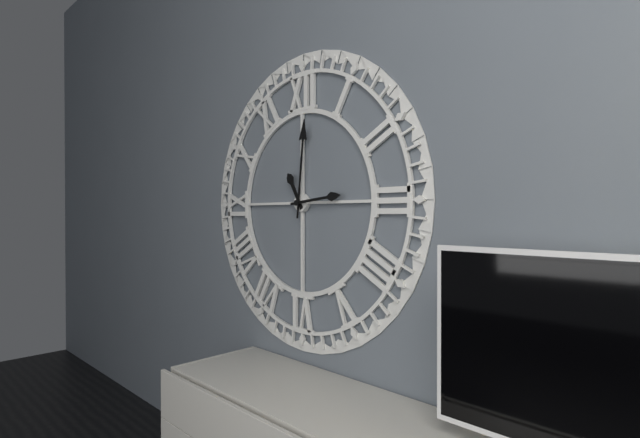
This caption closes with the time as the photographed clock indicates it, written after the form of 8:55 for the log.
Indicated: 11:01
